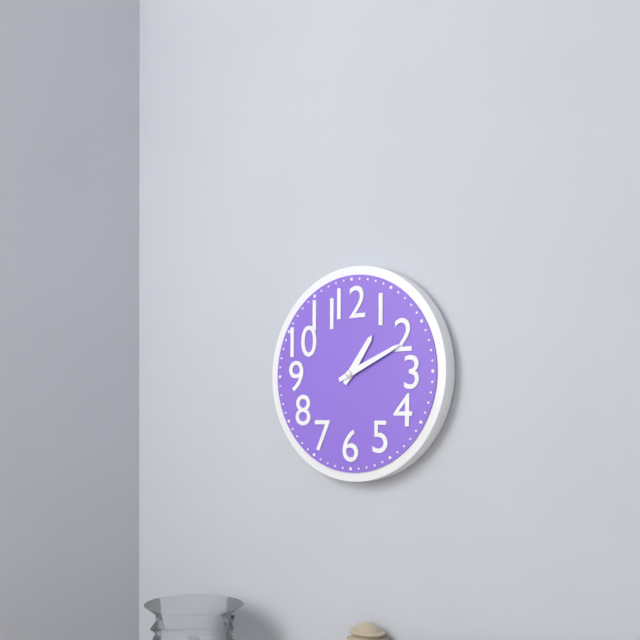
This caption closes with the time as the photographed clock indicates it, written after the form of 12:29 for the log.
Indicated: 1:11
